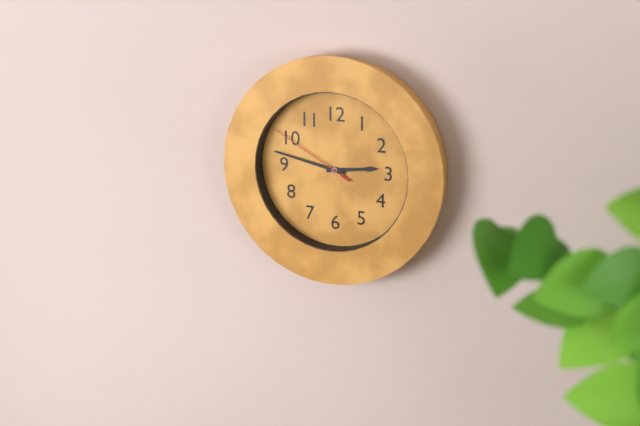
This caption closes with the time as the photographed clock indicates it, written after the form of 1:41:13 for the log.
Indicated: 2:47:50
